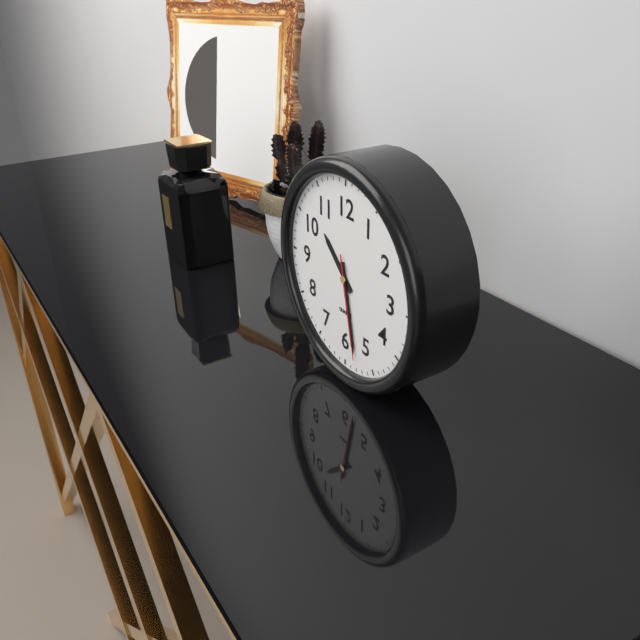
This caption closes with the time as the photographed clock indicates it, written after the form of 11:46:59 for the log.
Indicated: 10:28:28
